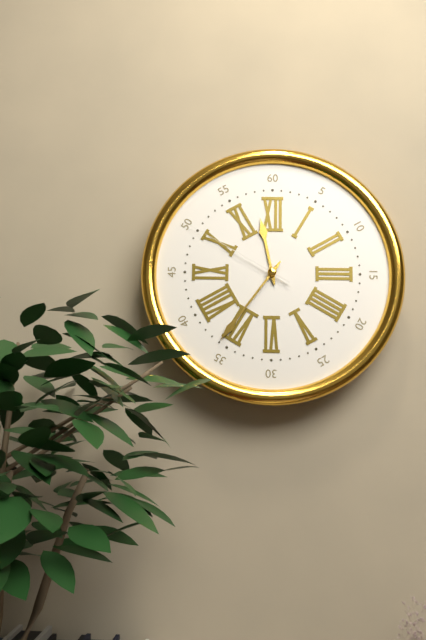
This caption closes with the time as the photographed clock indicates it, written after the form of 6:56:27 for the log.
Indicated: 11:36:50
